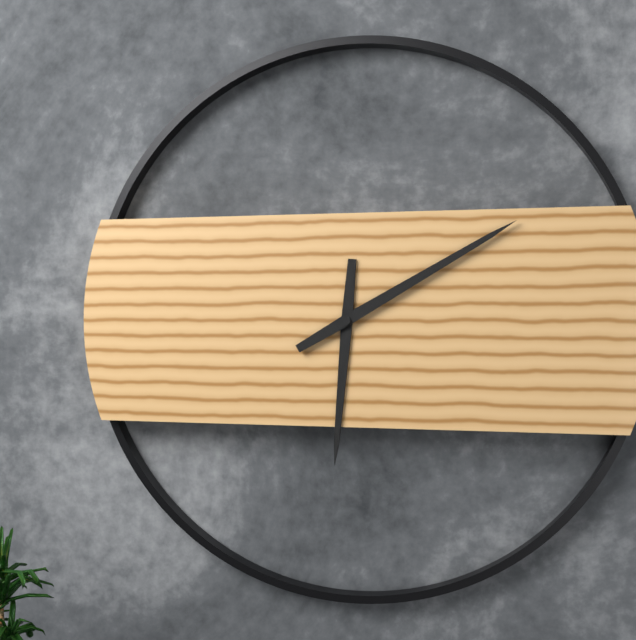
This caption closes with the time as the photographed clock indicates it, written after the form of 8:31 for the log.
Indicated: 6:10
